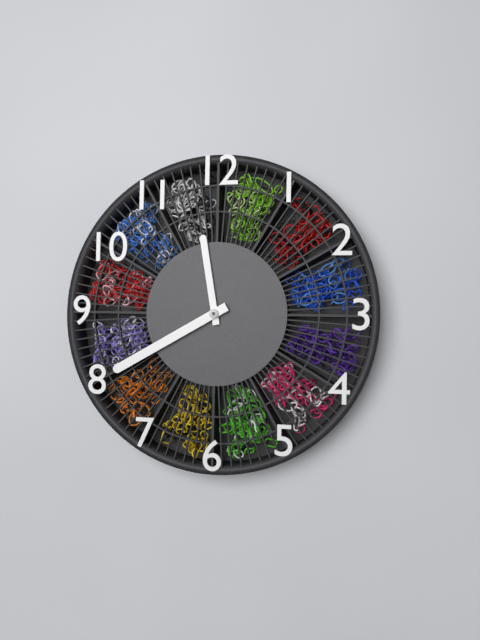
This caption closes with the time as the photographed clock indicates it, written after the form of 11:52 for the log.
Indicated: 11:40
